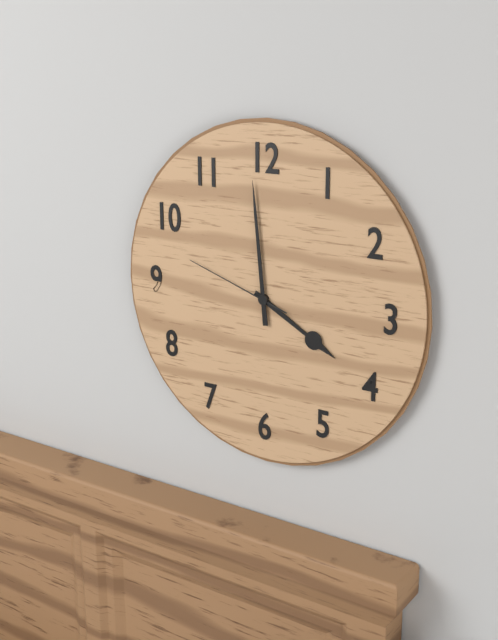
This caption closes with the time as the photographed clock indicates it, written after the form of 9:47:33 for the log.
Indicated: 3:59:48
